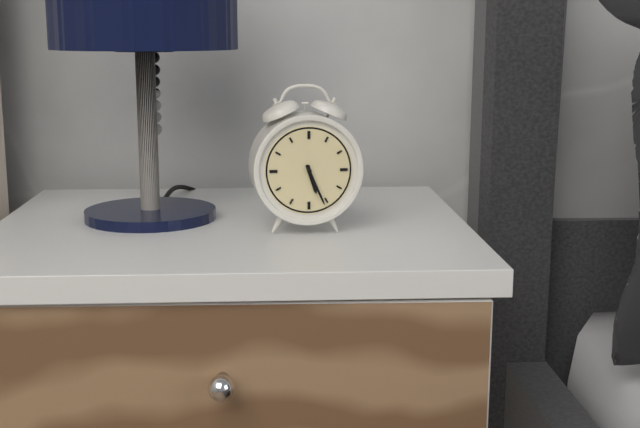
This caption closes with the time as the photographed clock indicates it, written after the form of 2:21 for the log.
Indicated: 5:26
